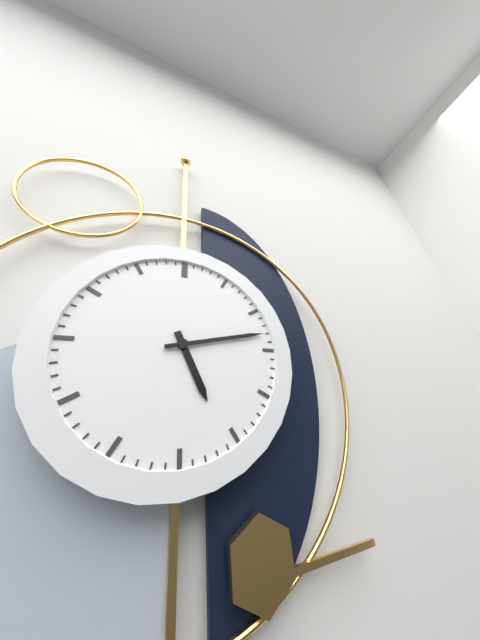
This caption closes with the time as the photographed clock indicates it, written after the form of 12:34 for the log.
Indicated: 5:13
